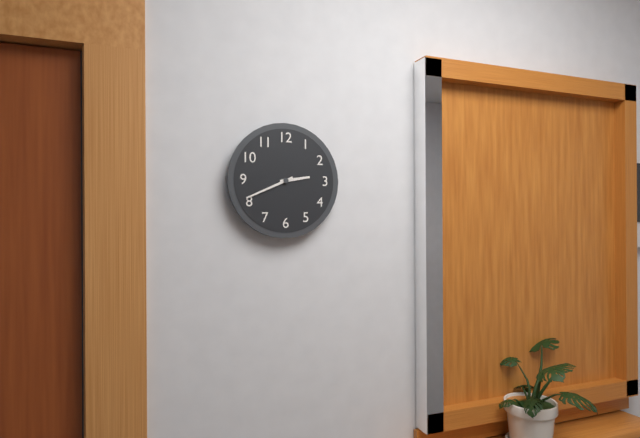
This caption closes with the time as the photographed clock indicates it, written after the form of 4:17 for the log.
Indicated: 2:41
